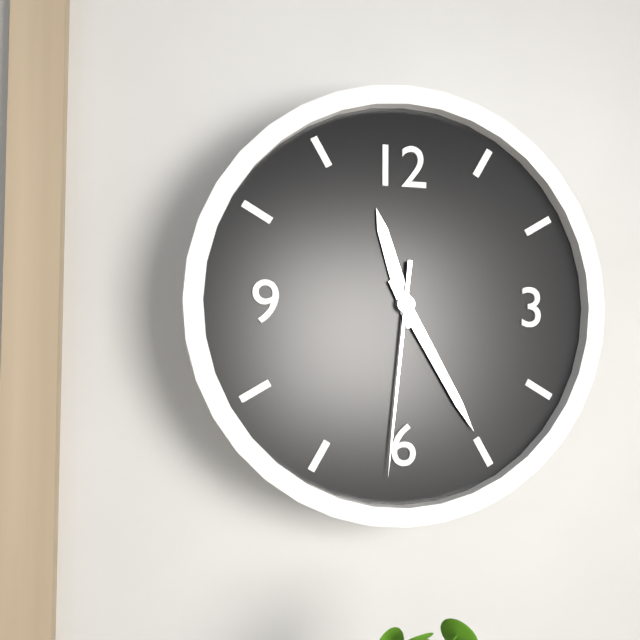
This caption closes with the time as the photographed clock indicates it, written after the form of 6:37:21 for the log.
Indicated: 11:25:31
